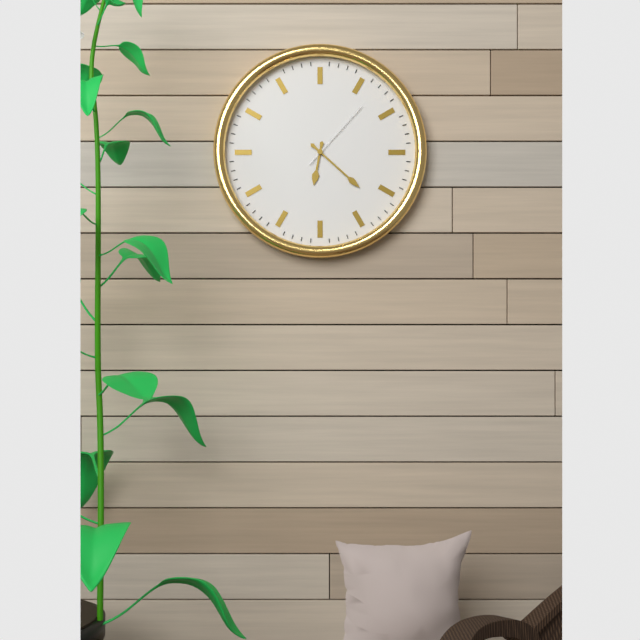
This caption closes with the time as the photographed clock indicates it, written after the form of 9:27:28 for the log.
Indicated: 6:22:07
